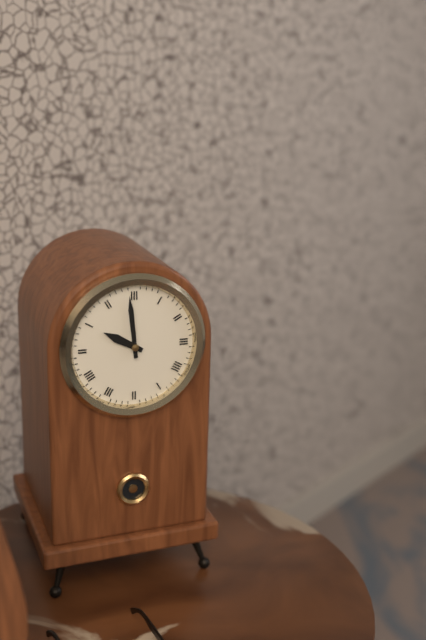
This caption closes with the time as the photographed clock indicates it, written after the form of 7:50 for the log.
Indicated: 9:59
